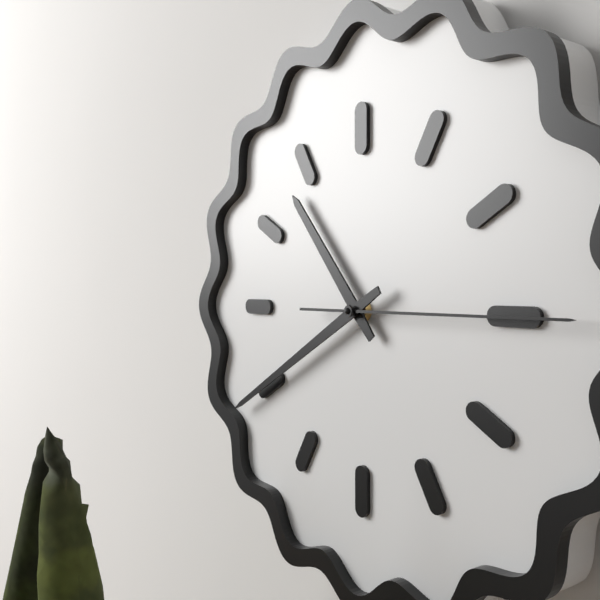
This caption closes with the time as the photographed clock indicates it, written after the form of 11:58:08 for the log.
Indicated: 10:40:15
